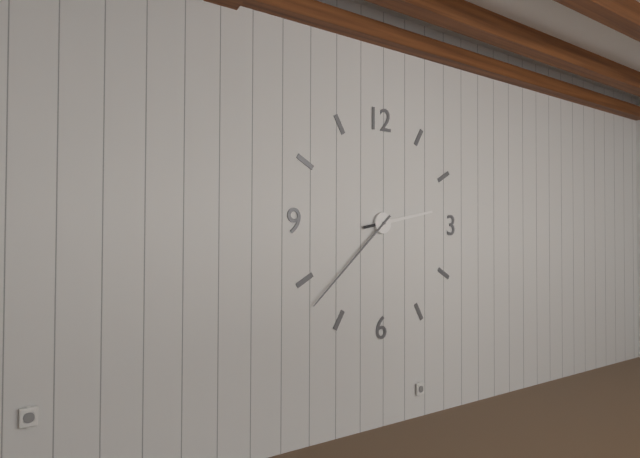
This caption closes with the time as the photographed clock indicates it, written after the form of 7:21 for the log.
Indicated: 2:38
